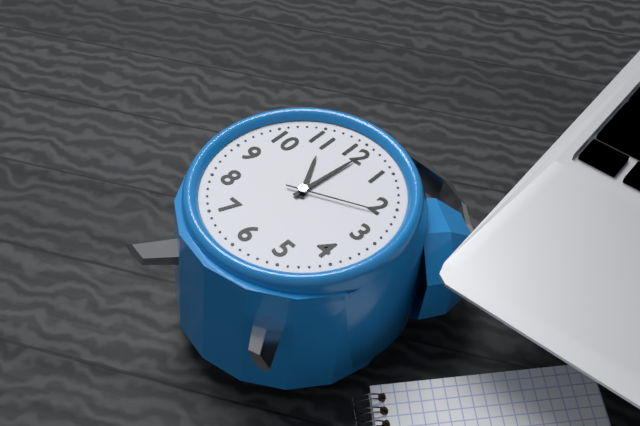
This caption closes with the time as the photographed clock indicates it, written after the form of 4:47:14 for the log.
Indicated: 11:01:11
